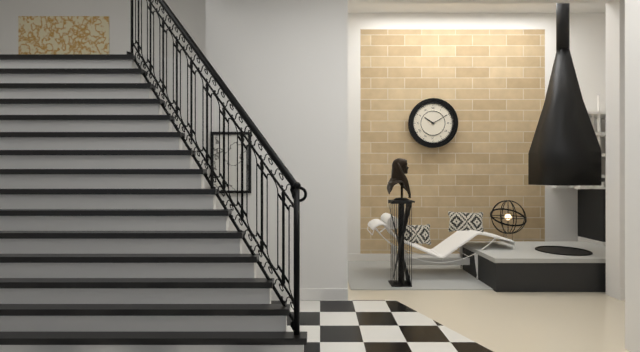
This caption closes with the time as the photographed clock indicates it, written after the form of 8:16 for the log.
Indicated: 10:10
